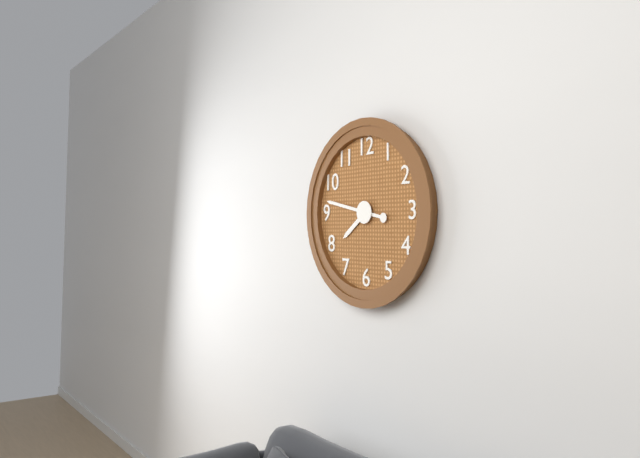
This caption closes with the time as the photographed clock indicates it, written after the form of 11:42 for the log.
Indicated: 7:47
